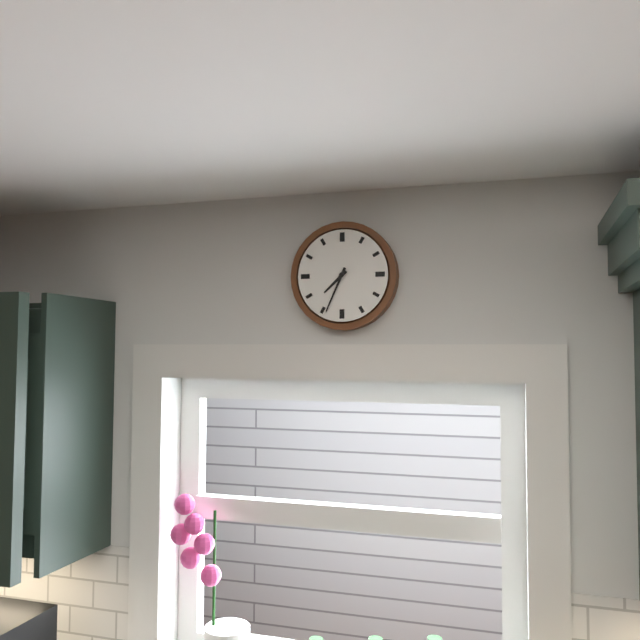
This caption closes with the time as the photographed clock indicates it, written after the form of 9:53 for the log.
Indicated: 7:34
